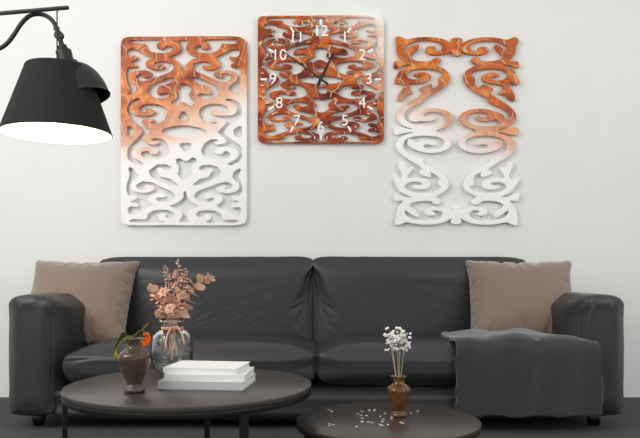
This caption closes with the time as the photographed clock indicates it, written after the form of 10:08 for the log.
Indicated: 12:51
